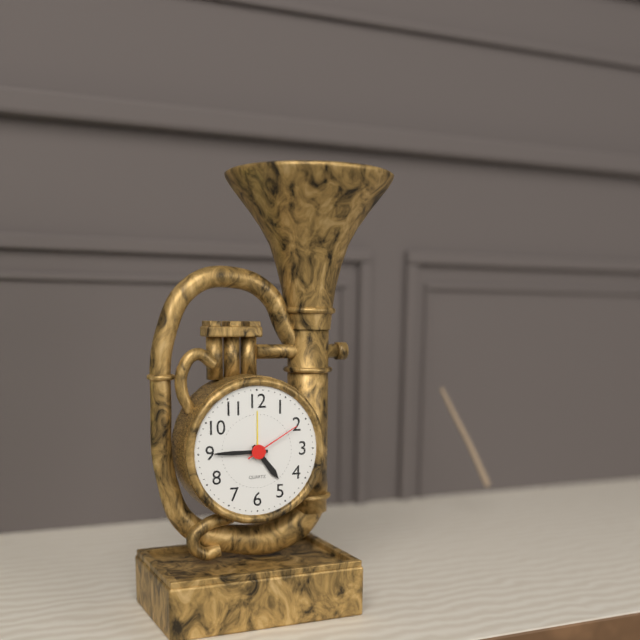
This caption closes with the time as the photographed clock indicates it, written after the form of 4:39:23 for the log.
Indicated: 4:45:10
